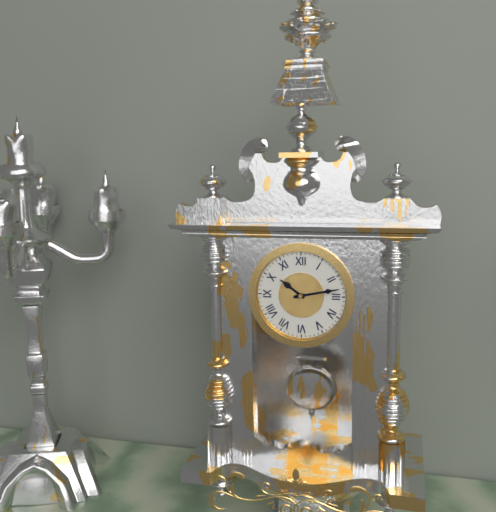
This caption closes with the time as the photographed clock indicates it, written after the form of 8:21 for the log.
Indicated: 10:13
